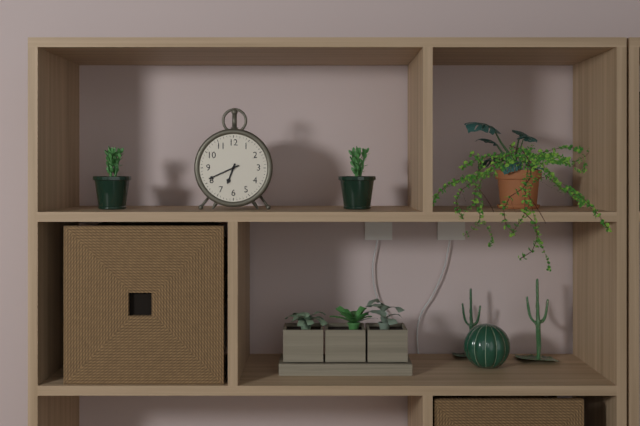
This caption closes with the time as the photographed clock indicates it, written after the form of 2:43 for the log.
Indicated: 6:41
